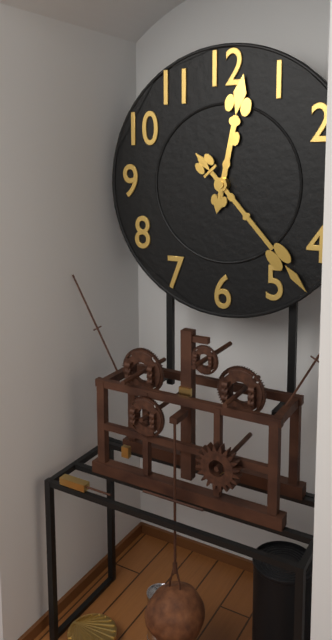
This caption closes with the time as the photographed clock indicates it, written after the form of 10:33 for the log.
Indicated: 12:23
